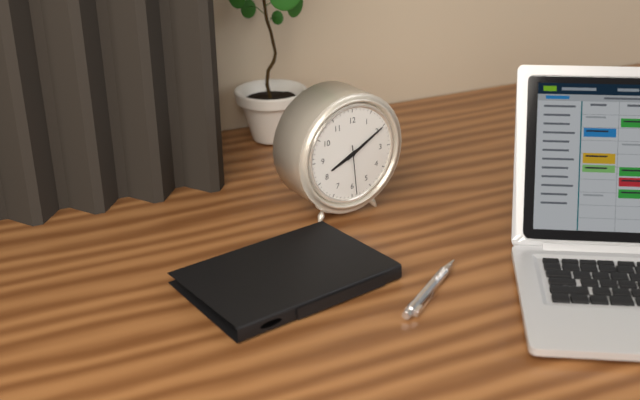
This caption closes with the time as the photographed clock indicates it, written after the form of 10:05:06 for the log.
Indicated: 8:10:29
